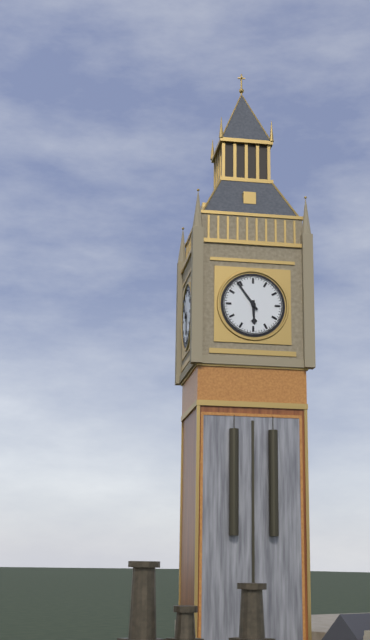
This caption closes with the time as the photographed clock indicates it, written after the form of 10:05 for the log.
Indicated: 5:54
